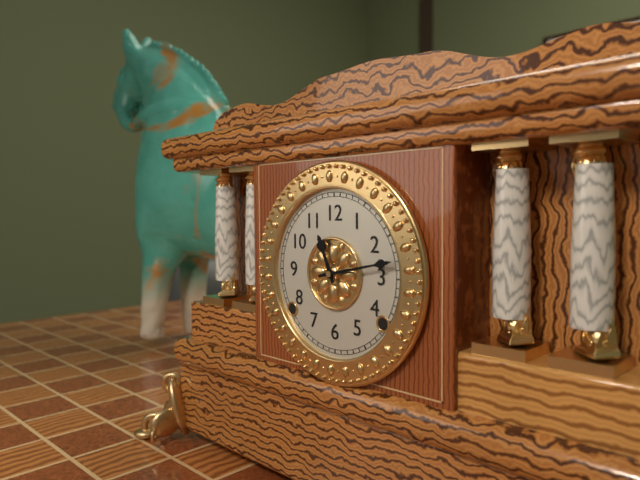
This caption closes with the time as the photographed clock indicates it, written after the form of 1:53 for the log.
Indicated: 11:13
